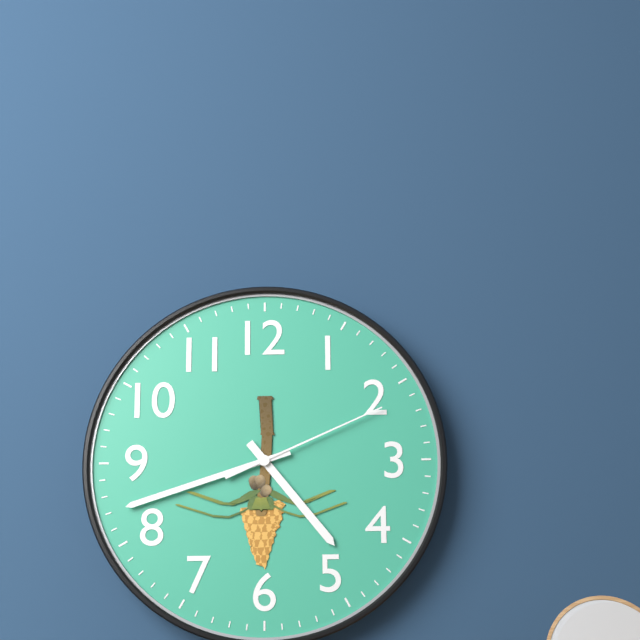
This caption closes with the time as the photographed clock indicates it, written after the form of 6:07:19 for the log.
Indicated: 4:42:11
